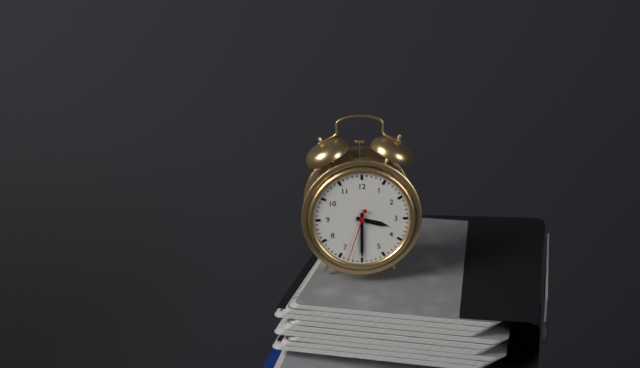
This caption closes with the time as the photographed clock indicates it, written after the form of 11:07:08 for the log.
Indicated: 3:30:33
